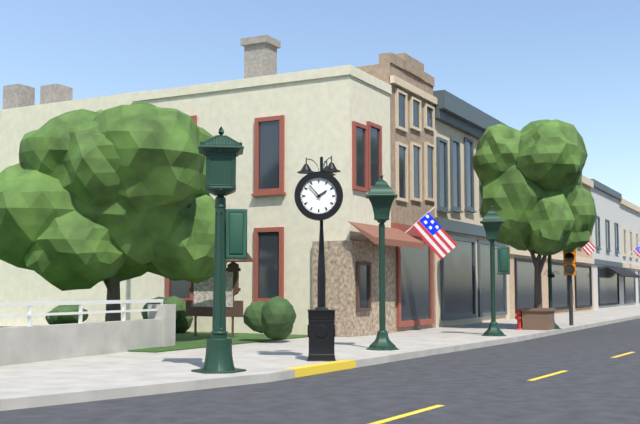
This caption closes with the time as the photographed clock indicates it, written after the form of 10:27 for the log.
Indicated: 1:53
